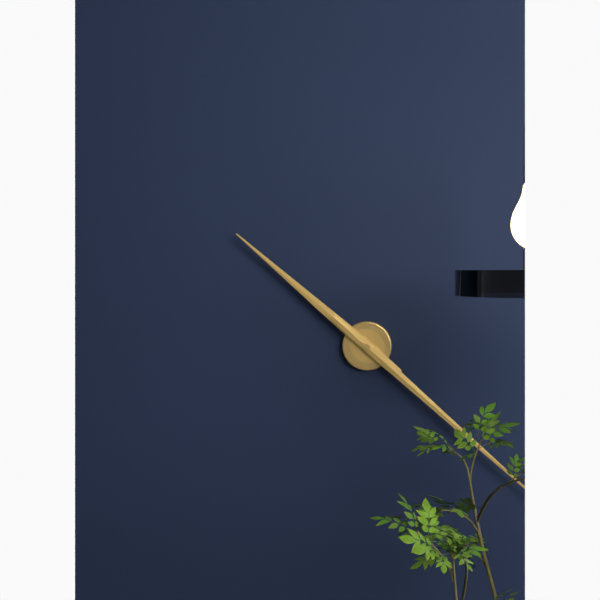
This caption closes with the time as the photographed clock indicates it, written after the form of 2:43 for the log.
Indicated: 10:22
